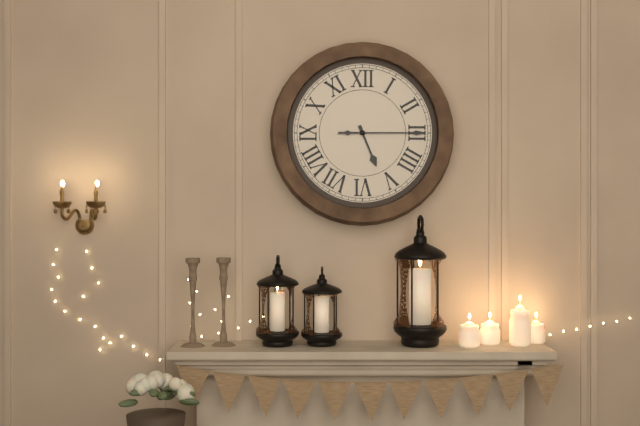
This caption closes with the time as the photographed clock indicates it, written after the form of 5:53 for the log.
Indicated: 5:15
